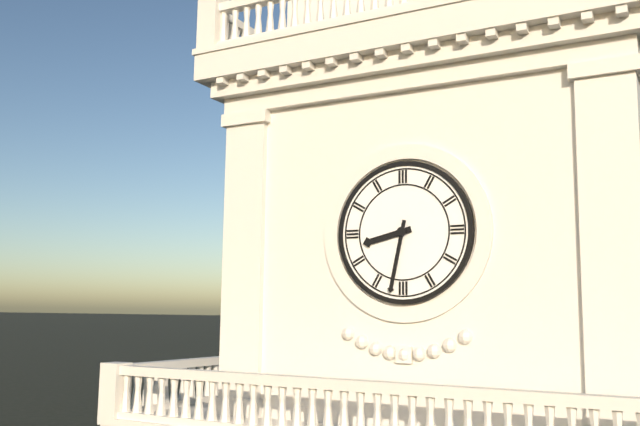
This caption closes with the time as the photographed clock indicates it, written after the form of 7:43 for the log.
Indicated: 8:32
